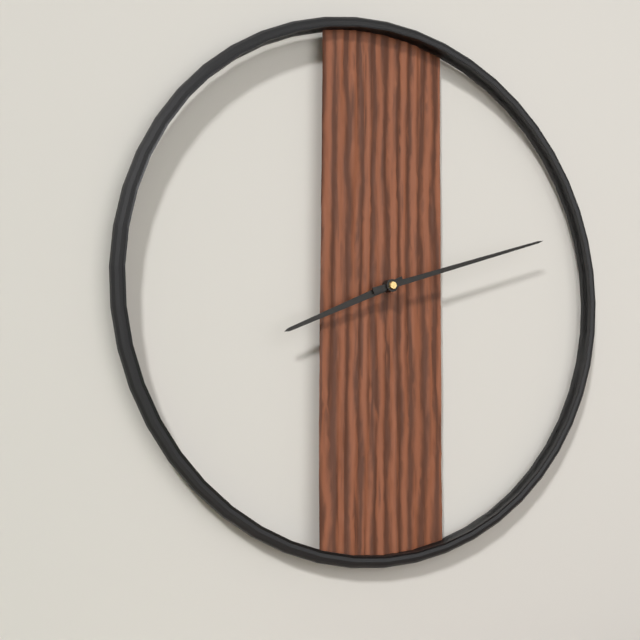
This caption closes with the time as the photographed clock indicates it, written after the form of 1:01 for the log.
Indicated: 8:12
